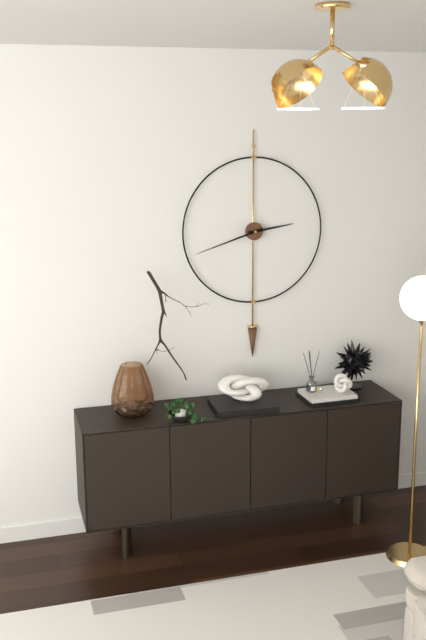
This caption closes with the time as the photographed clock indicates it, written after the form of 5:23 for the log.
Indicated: 2:42
